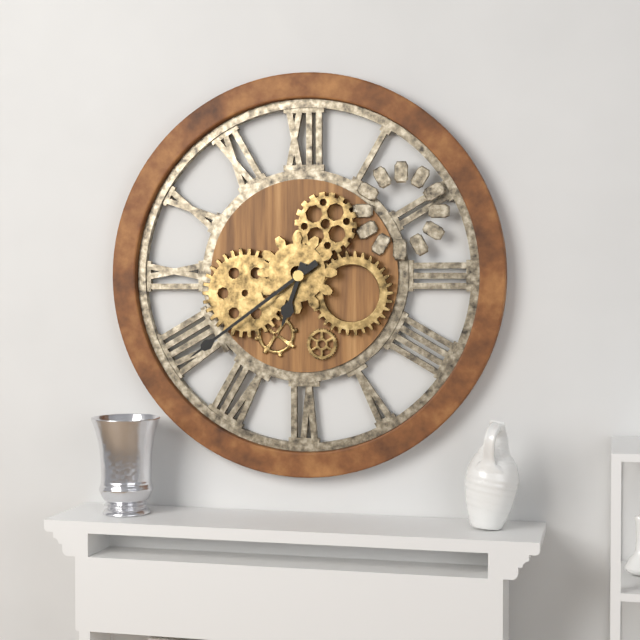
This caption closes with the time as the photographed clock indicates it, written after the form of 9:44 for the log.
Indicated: 6:39
